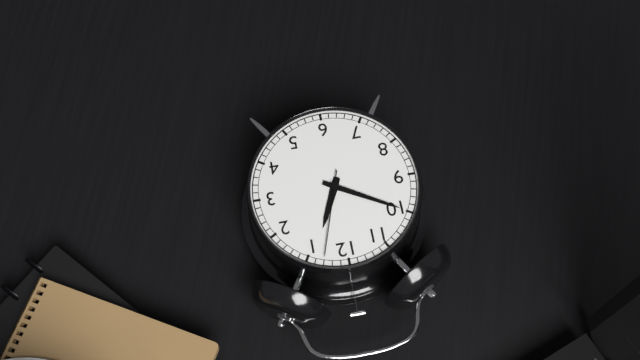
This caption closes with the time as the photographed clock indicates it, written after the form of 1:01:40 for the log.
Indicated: 12:50:03
